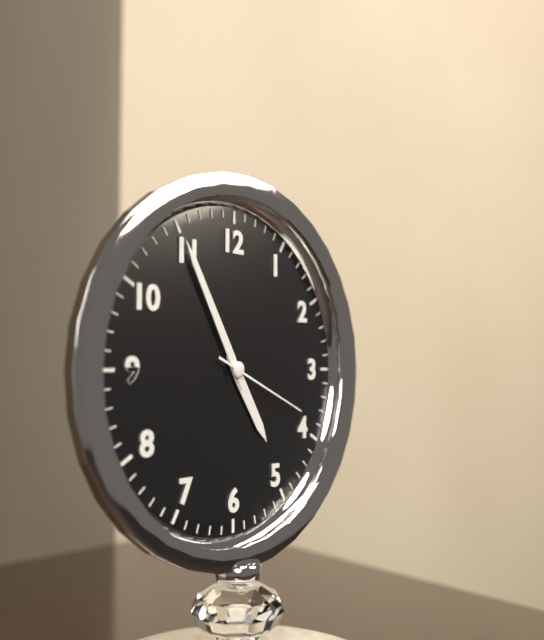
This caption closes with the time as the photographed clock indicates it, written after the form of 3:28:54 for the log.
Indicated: 4:55:19
